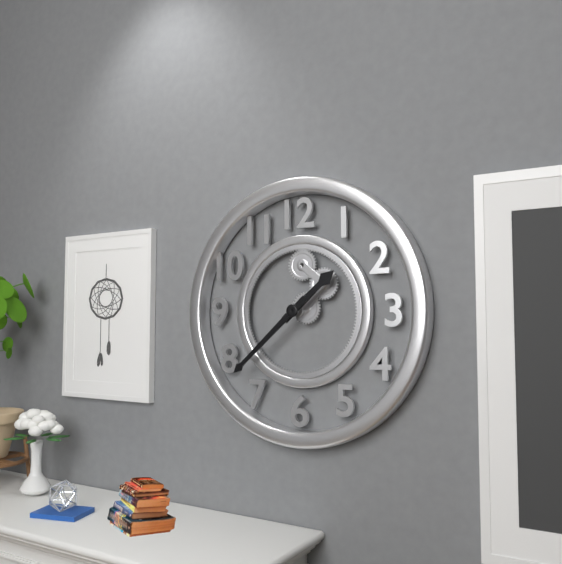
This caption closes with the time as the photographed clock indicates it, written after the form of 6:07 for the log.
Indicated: 1:38
